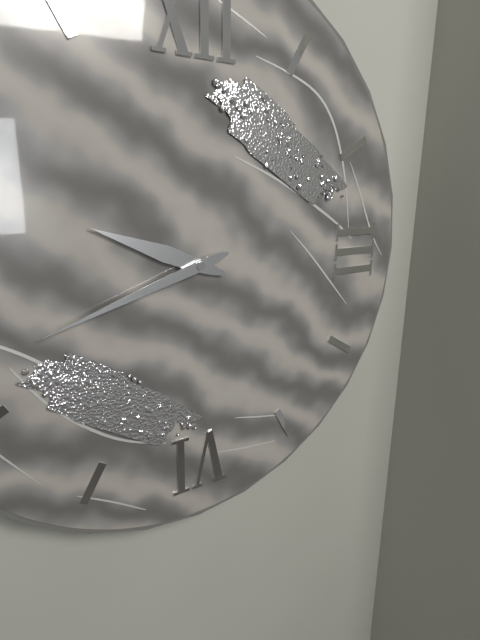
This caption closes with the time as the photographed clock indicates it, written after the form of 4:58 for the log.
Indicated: 9:42
